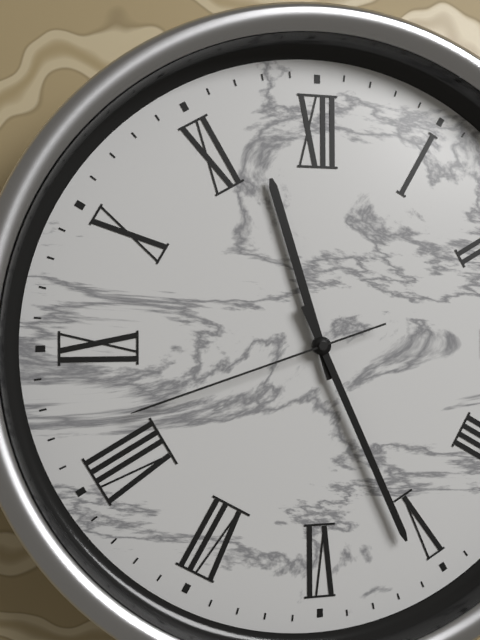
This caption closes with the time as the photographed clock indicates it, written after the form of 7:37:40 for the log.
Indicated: 11:26:42
